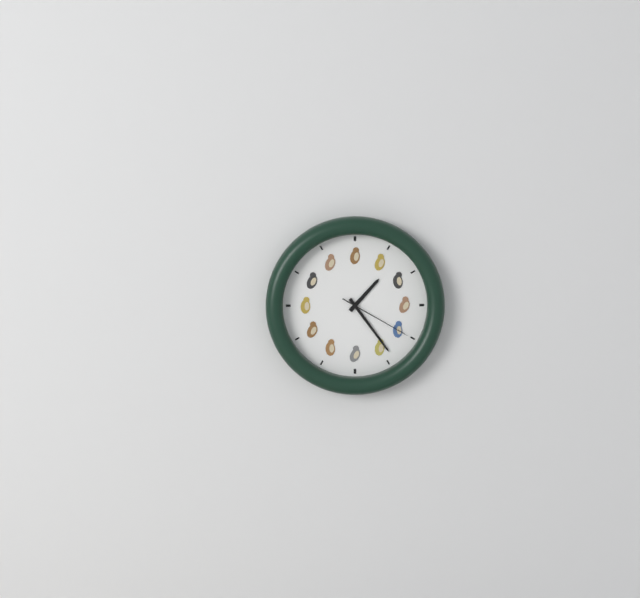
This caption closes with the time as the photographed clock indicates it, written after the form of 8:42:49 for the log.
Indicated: 1:24:20
